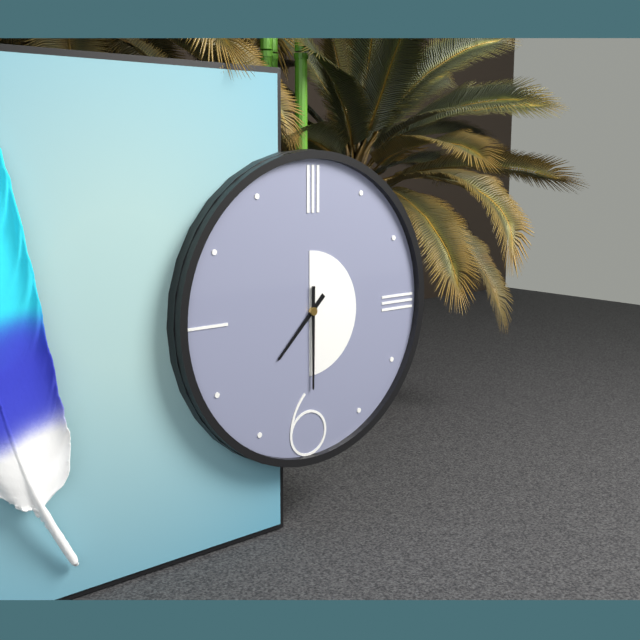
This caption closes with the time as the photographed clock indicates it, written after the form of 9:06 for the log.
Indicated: 7:30
